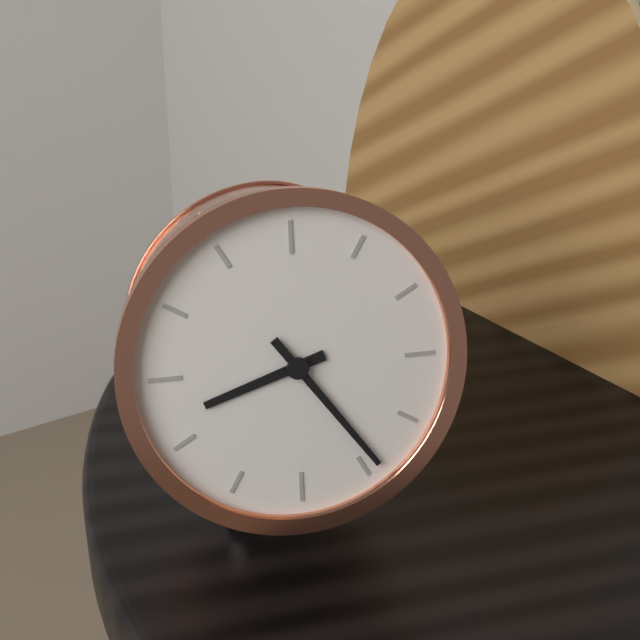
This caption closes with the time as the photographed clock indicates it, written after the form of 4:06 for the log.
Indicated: 8:24
